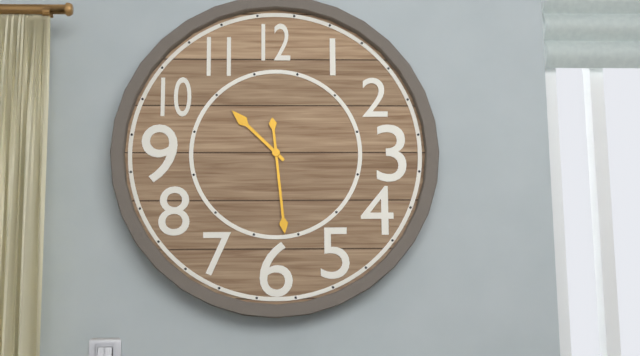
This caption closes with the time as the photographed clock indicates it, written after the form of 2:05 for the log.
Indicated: 10:29
